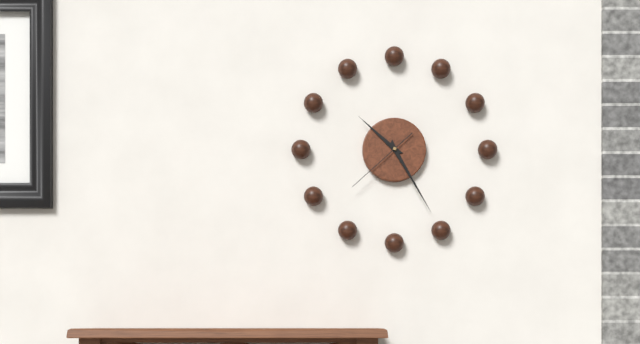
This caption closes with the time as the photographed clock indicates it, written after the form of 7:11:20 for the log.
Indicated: 10:25:38
